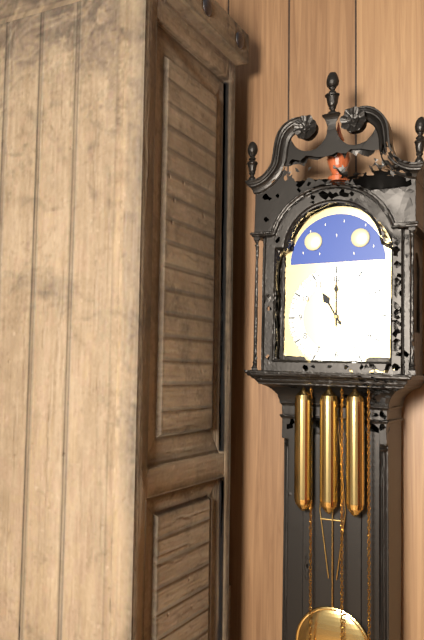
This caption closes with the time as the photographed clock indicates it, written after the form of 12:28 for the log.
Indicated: 11:00
